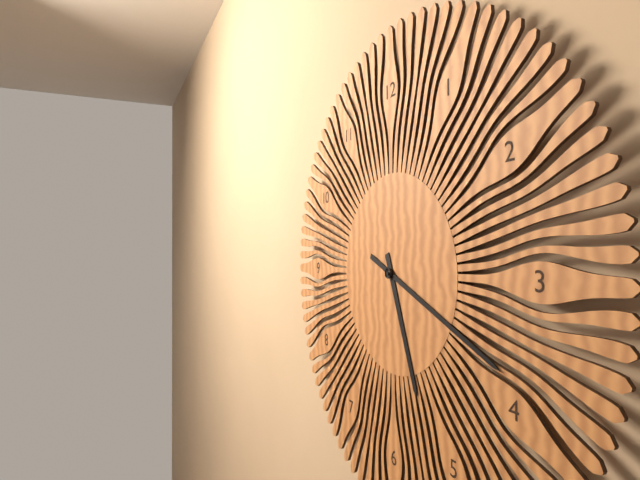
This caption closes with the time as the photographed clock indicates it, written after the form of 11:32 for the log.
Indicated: 5:19
